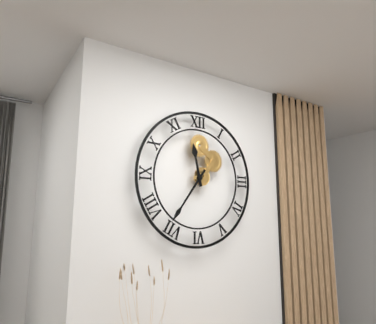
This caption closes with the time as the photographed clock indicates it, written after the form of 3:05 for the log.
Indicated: 11:36
